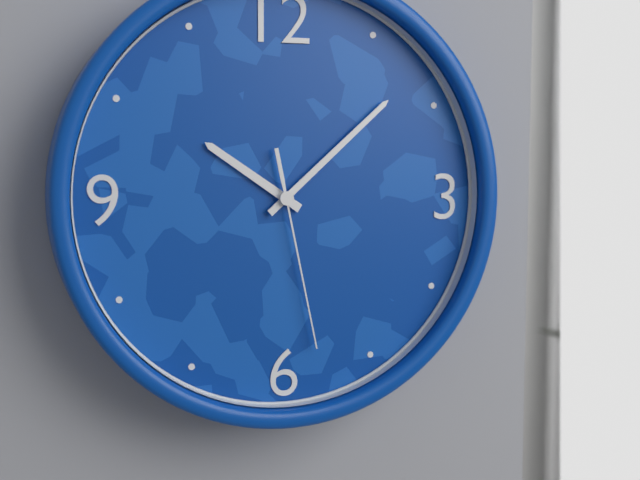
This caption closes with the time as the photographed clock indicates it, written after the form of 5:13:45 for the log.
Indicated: 10:08:28
